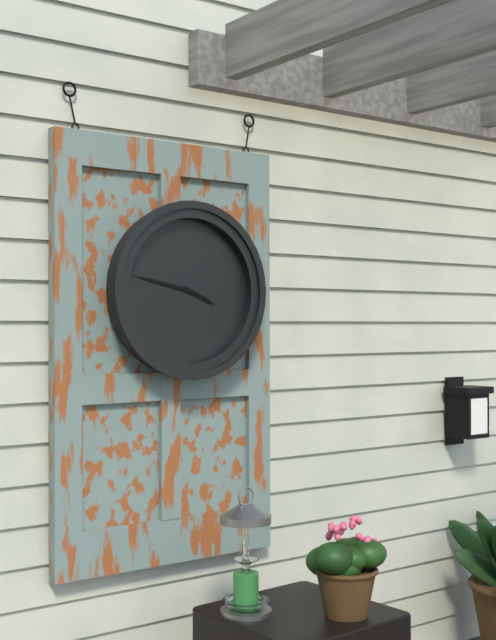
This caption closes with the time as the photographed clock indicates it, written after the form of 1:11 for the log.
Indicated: 3:47
